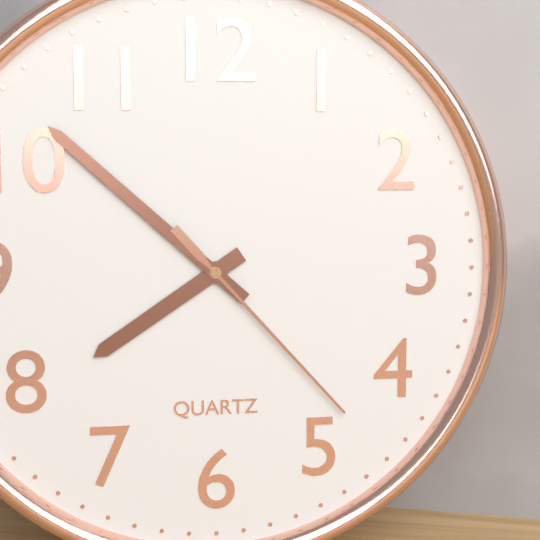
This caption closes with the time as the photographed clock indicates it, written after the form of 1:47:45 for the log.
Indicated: 7:52:23
